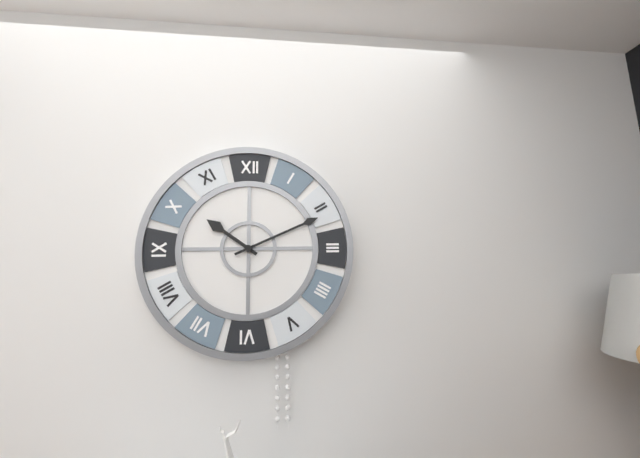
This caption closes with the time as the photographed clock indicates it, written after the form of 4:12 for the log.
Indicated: 10:11
